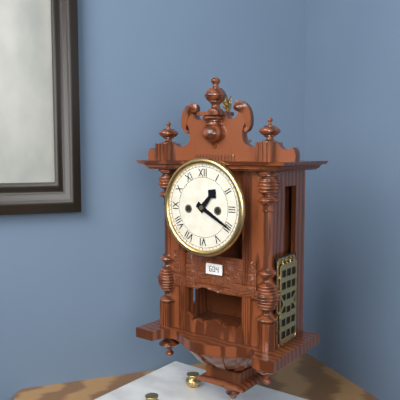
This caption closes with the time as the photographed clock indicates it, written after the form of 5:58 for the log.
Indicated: 1:20
